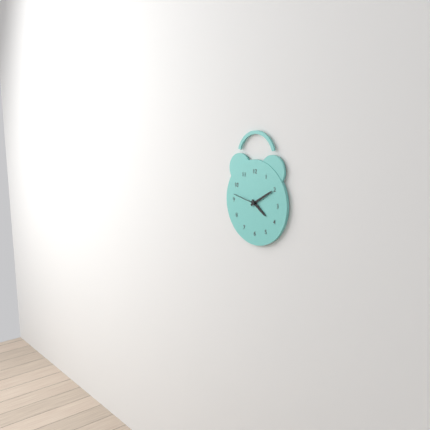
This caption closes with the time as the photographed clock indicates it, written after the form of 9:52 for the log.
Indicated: 4:10
